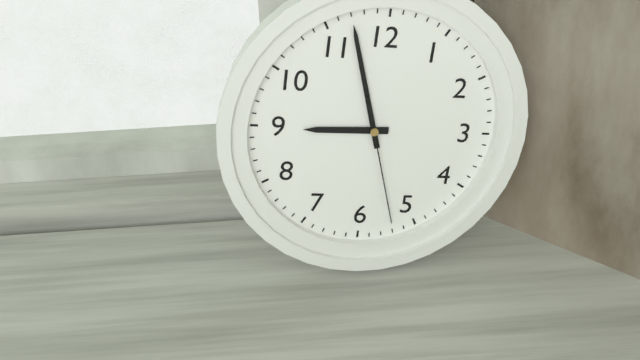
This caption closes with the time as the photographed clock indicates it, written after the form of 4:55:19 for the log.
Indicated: 8:57:27
